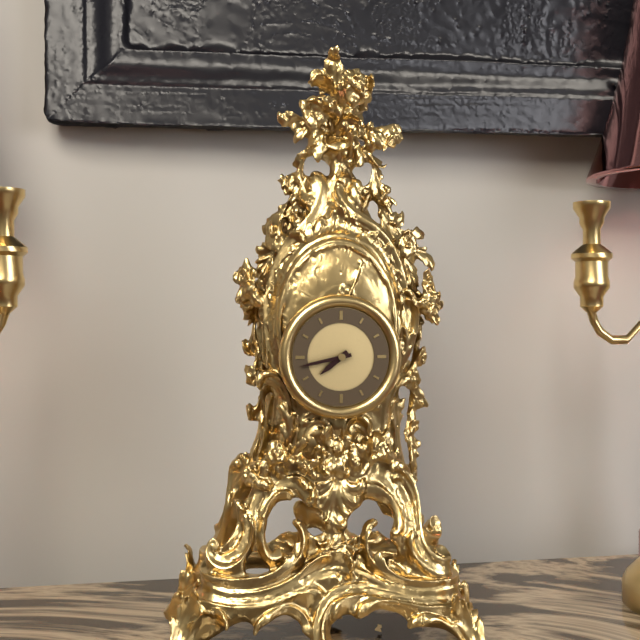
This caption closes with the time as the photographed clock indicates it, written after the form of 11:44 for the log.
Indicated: 7:43
